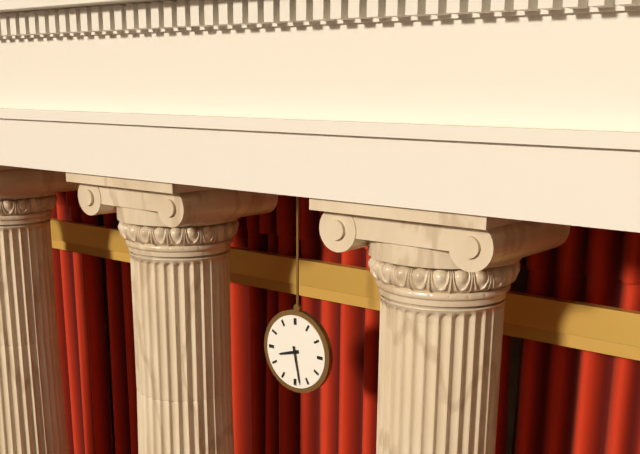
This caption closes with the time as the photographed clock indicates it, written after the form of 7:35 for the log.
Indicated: 8:28
